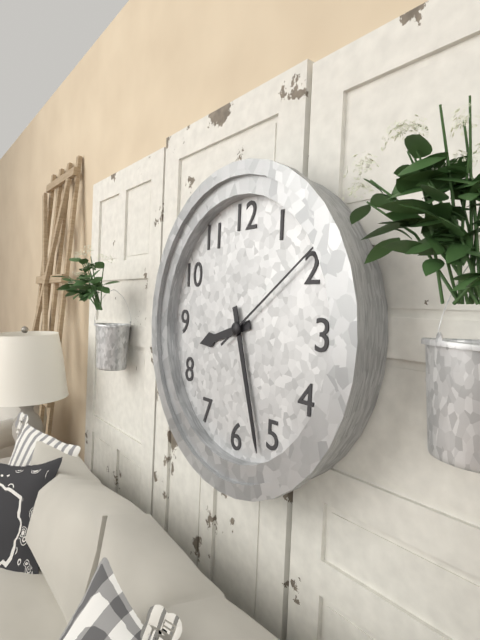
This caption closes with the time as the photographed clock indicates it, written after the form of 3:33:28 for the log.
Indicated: 8:27:09
